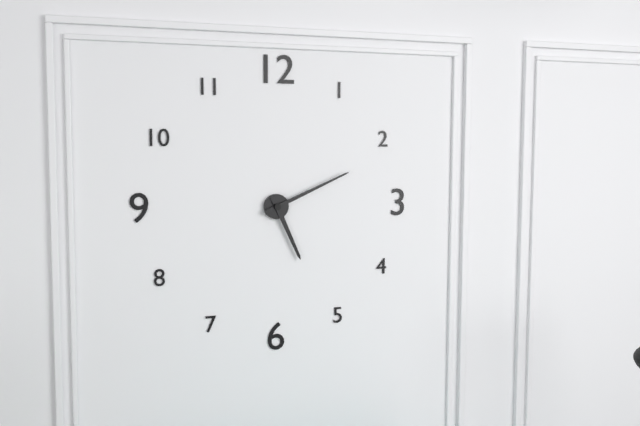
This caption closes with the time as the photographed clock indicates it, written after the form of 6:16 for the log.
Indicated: 5:11
